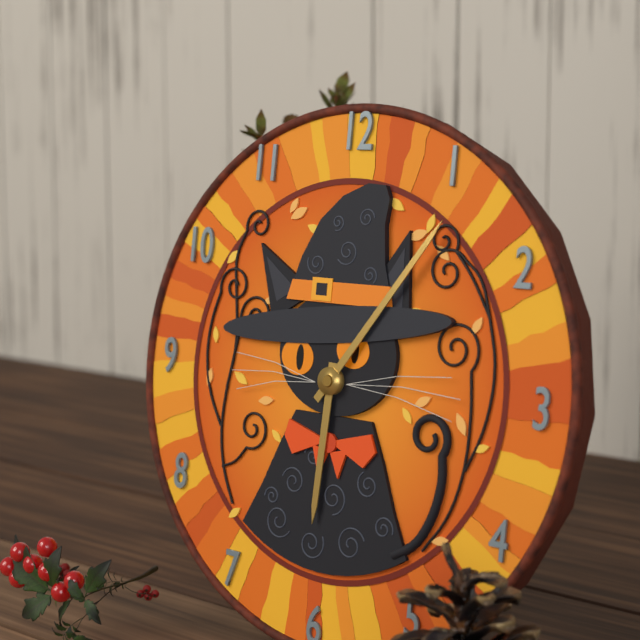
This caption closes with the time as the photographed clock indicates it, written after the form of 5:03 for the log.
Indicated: 6:06
